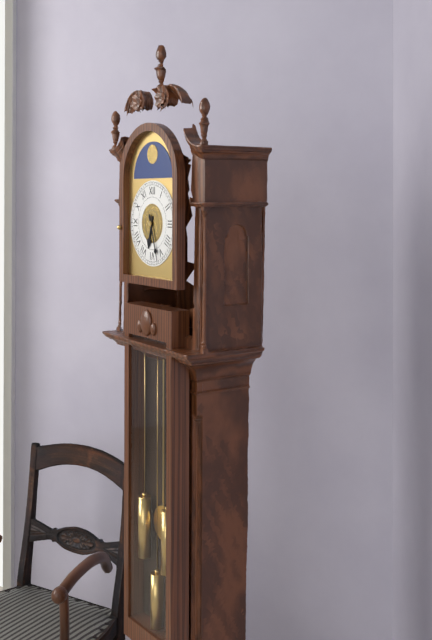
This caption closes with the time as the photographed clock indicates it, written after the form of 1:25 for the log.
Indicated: 6:27
